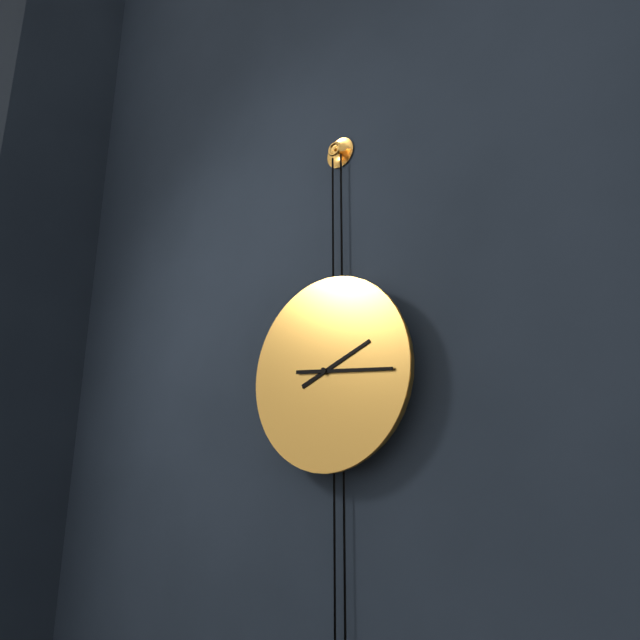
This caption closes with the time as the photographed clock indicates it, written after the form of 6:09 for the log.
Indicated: 2:16
